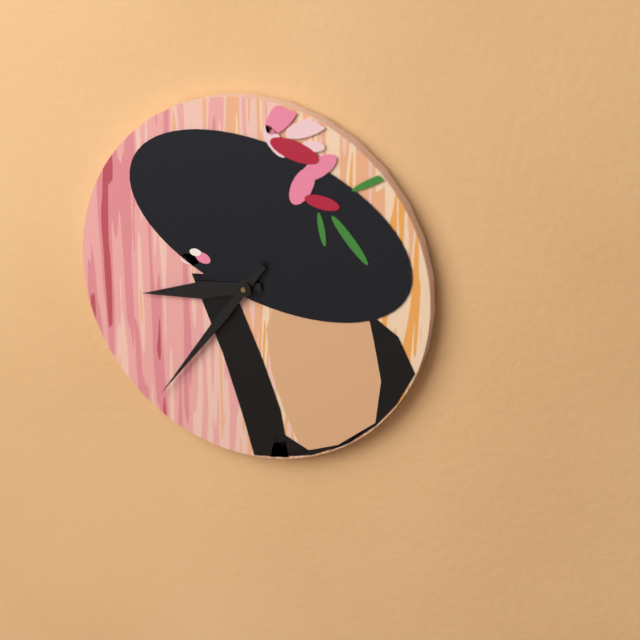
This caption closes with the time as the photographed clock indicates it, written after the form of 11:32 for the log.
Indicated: 8:36
